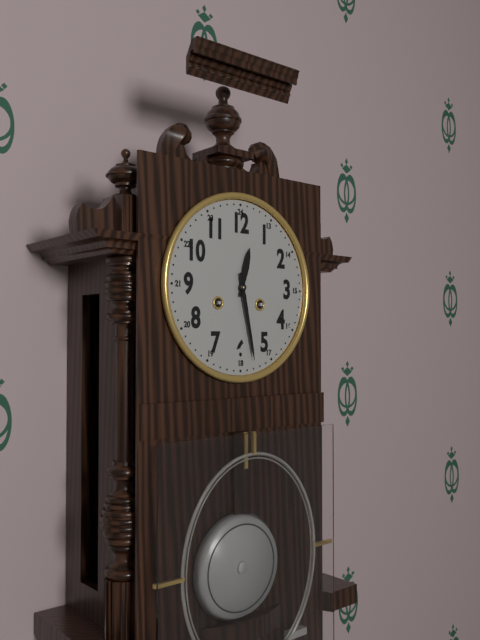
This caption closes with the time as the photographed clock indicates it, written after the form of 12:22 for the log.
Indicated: 12:28
